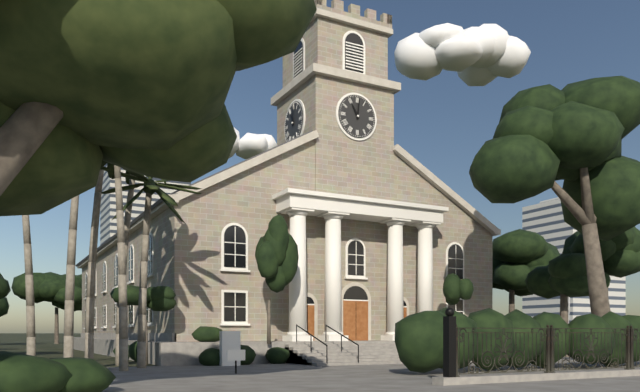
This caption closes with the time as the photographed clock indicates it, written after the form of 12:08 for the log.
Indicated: 11:01
